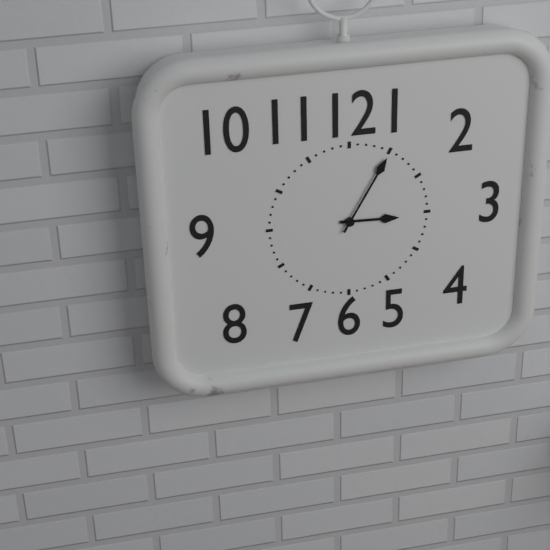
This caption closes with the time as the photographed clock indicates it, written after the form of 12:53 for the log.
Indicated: 3:05
